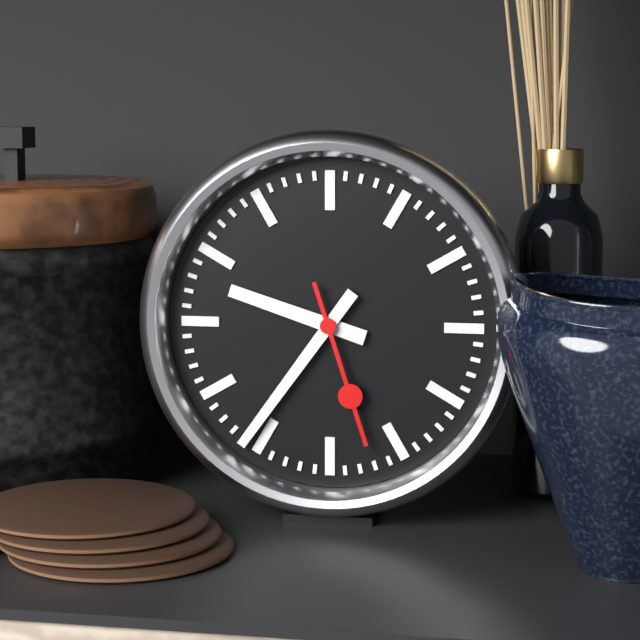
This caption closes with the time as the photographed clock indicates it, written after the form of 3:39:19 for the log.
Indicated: 9:36:27
